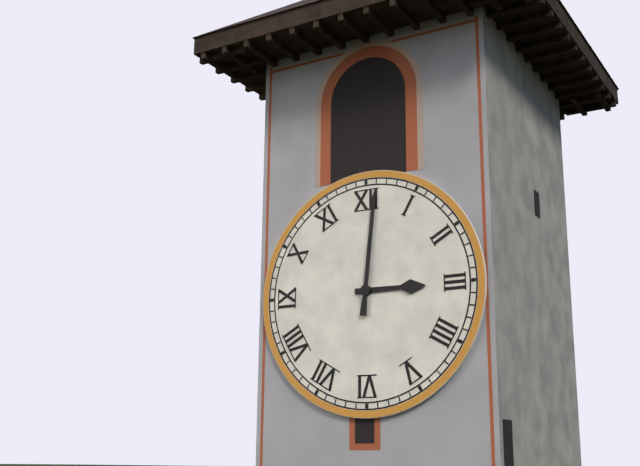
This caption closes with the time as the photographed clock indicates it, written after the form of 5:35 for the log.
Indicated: 3:01
